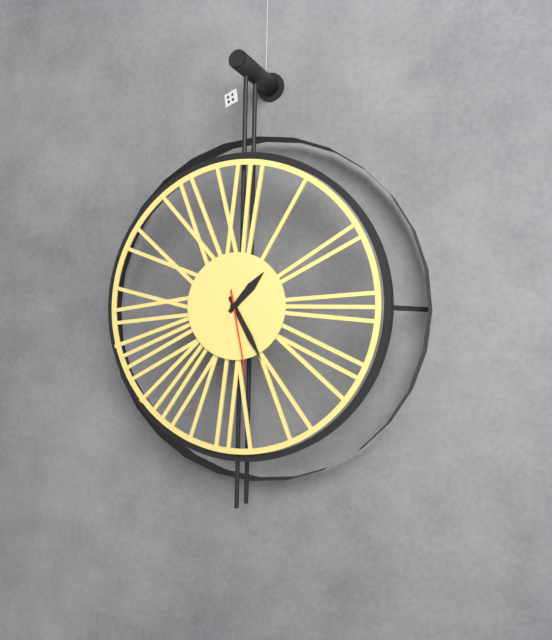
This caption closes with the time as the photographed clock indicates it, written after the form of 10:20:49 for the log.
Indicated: 1:25:28
